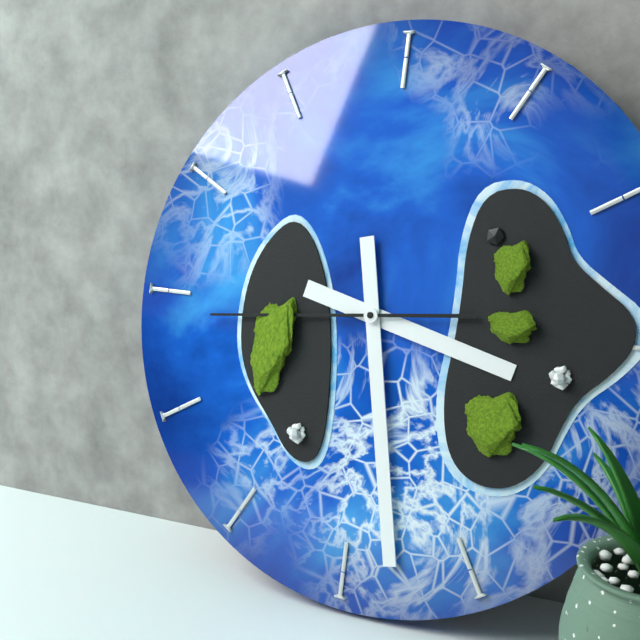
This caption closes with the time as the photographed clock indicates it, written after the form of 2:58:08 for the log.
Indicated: 3:28:44
